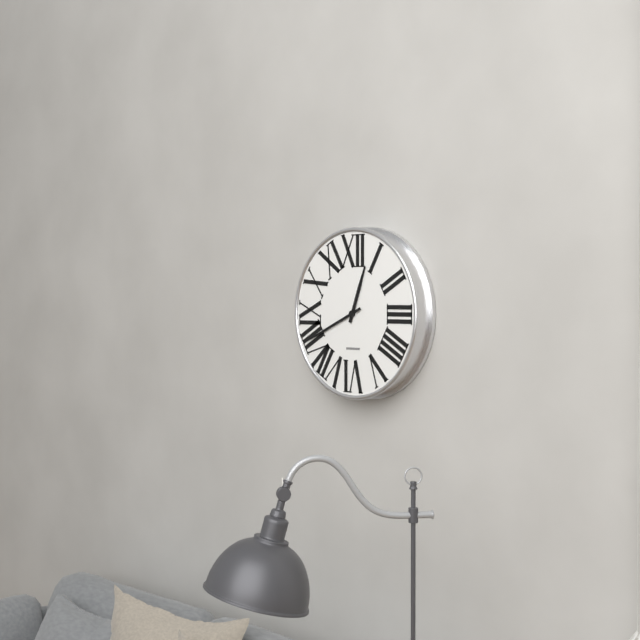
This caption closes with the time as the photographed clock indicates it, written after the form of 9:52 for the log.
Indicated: 12:41
